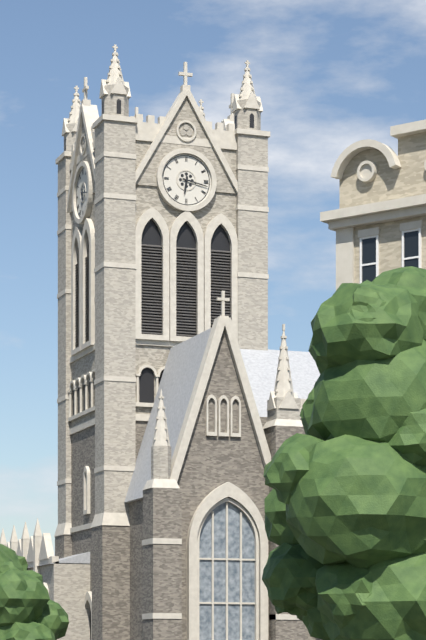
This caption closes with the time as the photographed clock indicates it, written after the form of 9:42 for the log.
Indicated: 6:17
